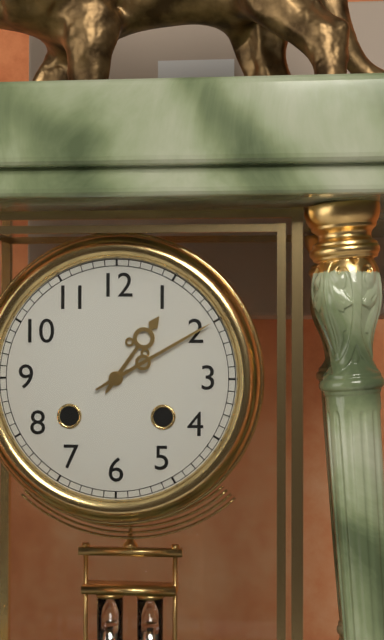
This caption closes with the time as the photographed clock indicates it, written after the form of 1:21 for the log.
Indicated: 1:10
